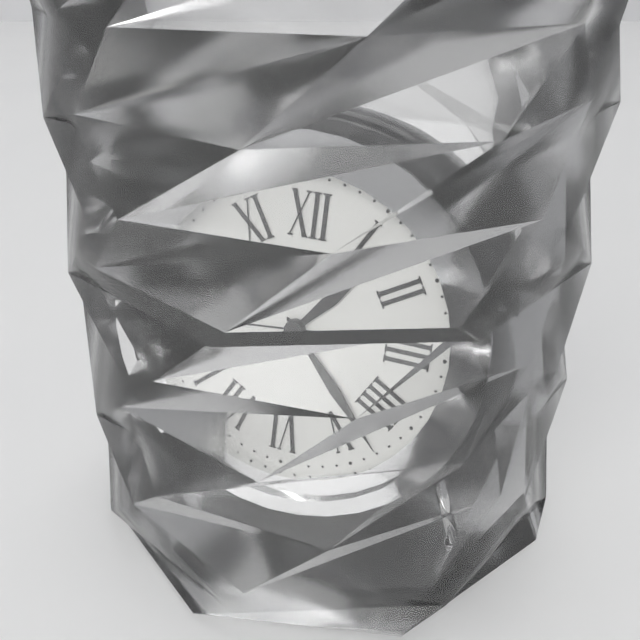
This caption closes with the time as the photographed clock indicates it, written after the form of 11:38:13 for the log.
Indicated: 1:23:44
